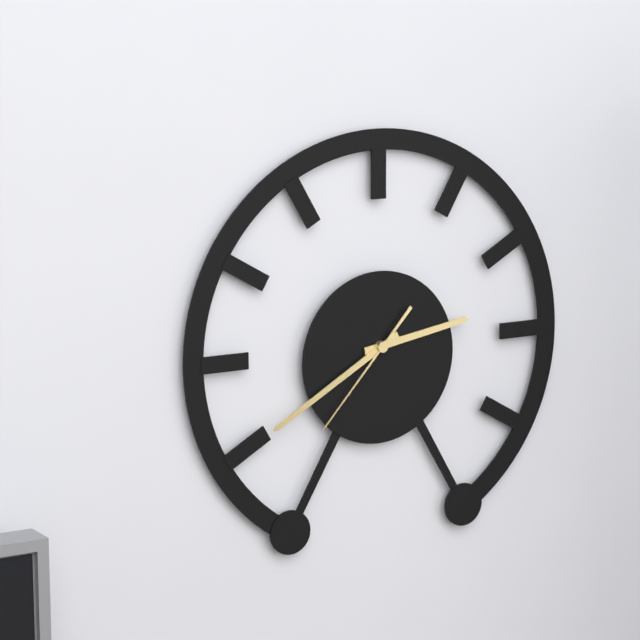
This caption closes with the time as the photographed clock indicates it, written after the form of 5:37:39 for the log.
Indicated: 2:40:37
